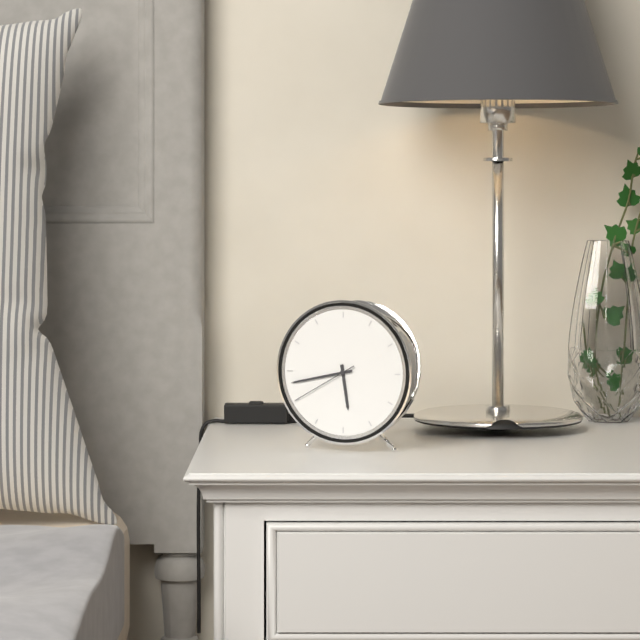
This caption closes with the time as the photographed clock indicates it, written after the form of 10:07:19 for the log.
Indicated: 5:43:40
